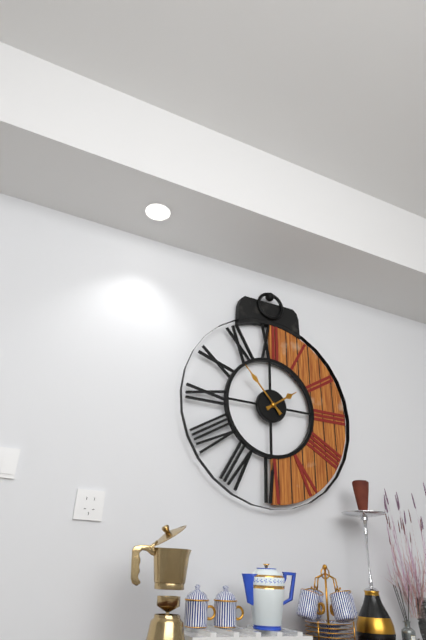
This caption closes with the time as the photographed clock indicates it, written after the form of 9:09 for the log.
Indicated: 1:53
